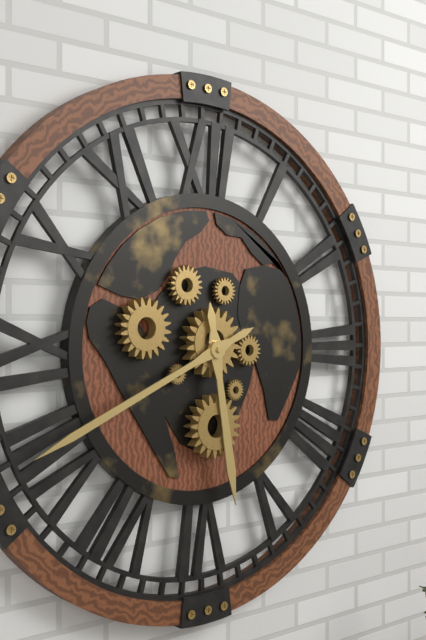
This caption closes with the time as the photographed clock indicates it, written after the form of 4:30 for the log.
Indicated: 5:41
